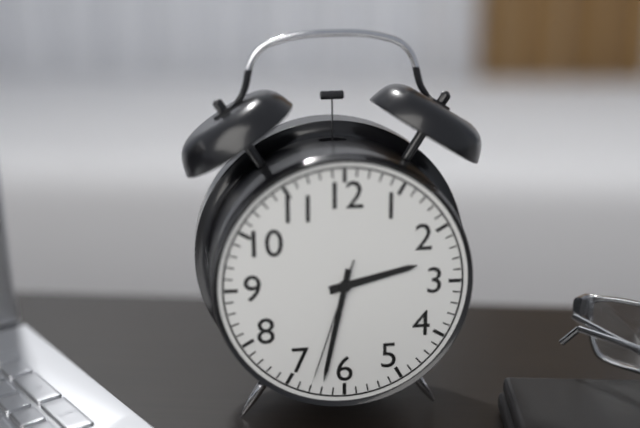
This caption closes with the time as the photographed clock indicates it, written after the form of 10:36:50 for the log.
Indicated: 2:32:33
